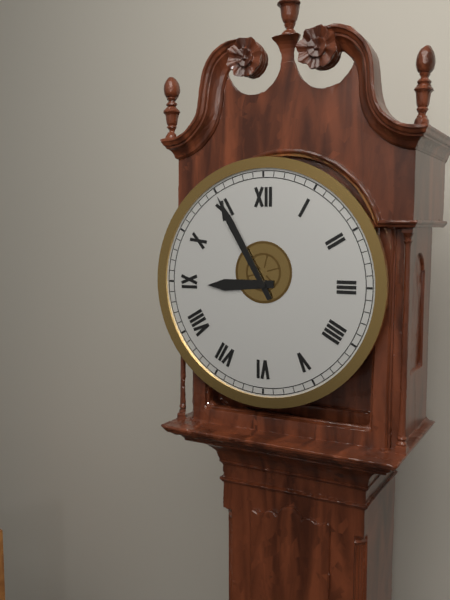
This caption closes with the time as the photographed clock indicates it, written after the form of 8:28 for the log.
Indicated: 8:55
